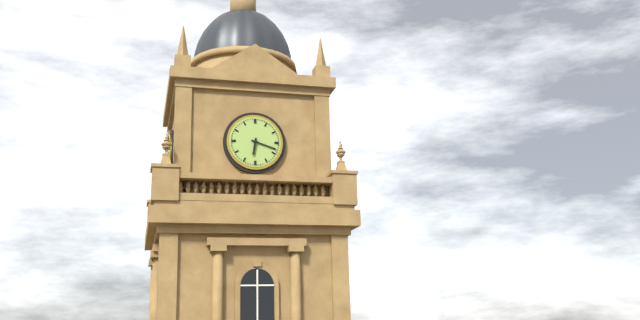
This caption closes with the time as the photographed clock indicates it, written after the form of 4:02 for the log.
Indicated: 6:18
